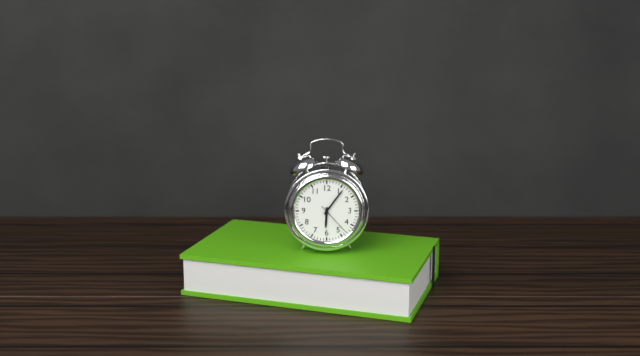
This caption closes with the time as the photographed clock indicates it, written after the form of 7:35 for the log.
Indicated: 6:06
